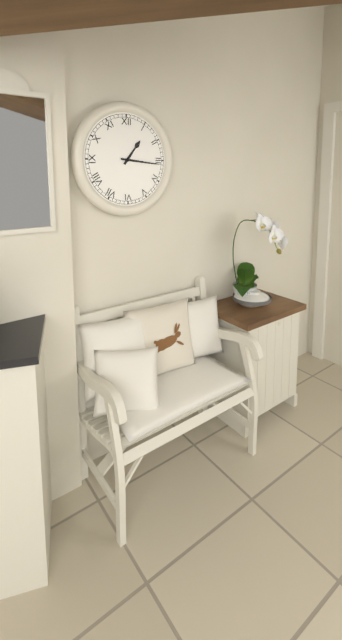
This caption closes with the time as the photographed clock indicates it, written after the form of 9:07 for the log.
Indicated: 1:16
